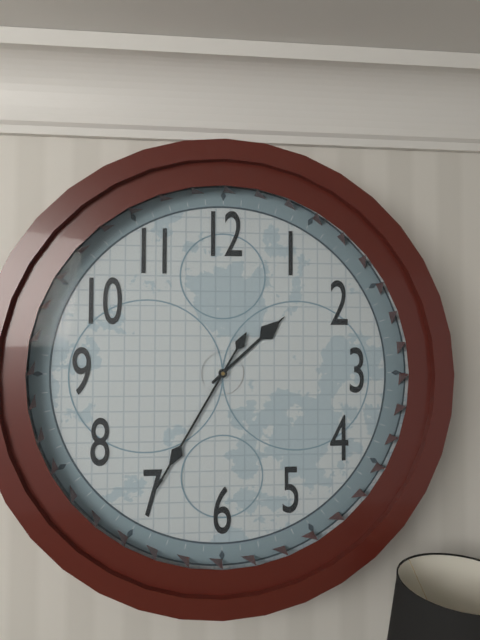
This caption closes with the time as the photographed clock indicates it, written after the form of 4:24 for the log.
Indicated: 1:35
